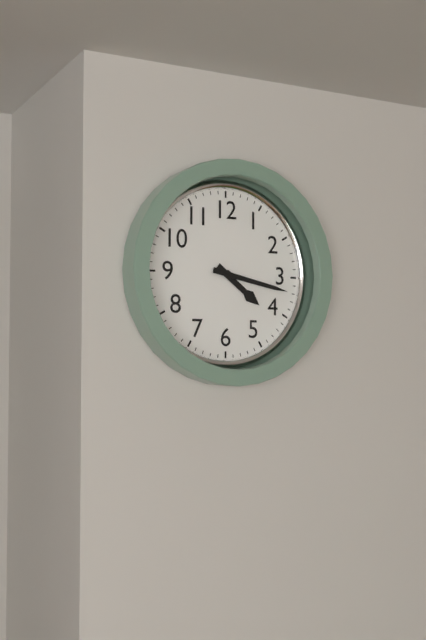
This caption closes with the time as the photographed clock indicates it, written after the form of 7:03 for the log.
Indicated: 4:17
